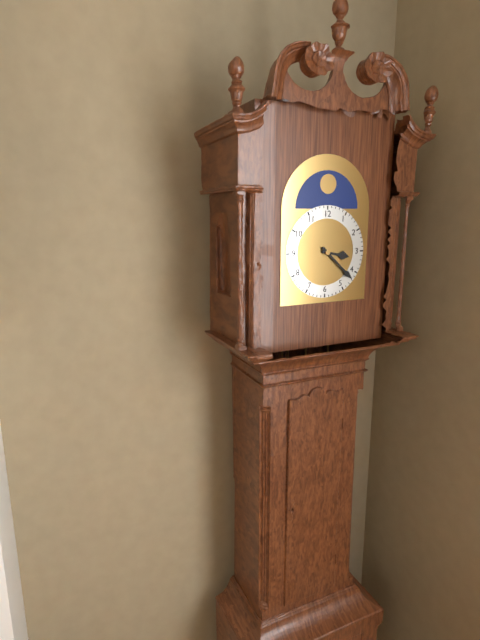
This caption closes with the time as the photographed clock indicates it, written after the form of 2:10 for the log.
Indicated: 3:22
